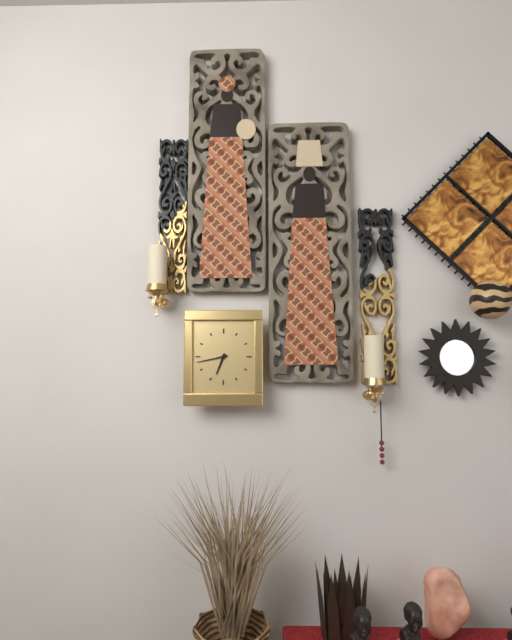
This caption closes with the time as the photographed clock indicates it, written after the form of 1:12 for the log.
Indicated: 6:43
